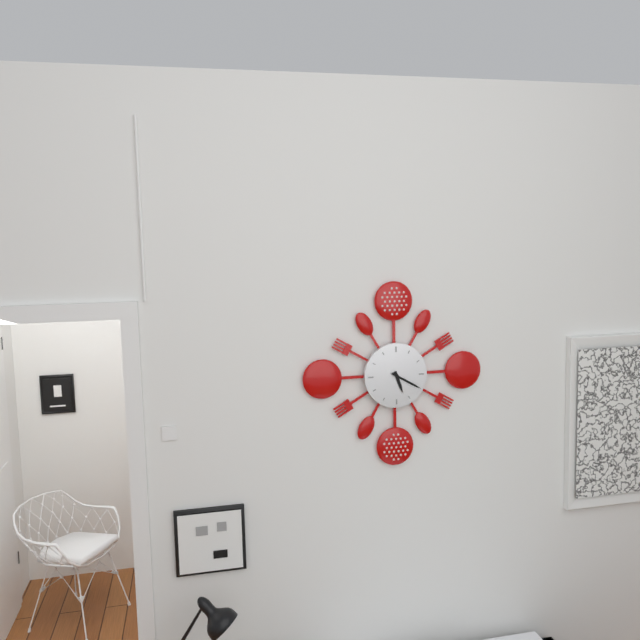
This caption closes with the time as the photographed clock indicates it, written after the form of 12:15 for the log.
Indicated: 5:20
